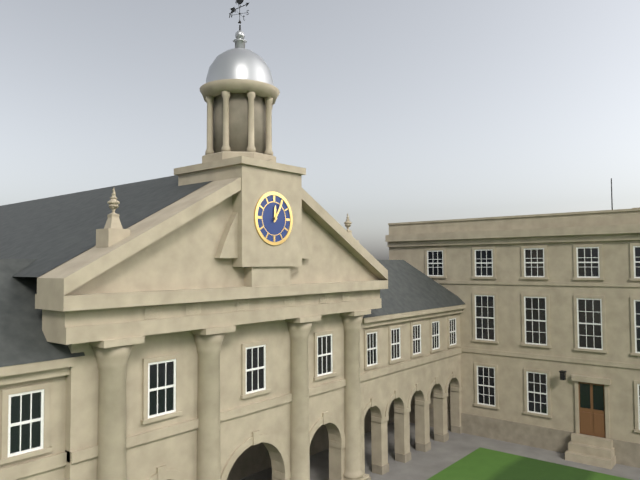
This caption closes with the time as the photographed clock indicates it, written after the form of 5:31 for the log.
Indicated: 12:05
